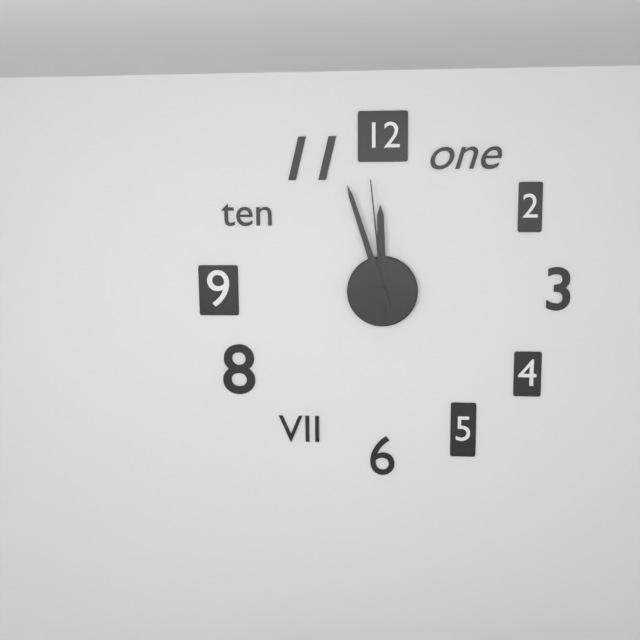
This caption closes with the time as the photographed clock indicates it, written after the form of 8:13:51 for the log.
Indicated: 11:57:59
